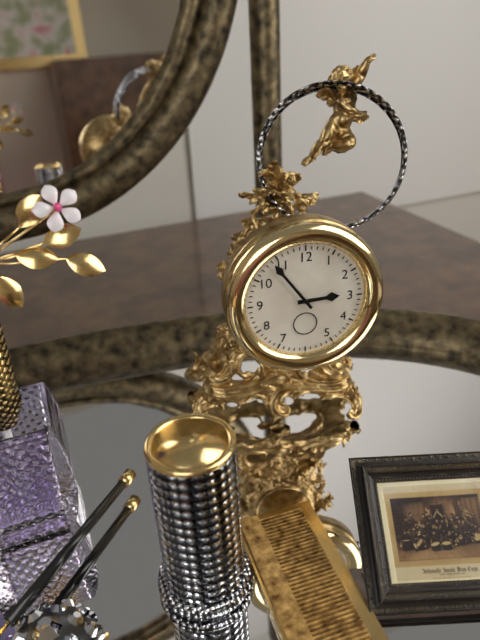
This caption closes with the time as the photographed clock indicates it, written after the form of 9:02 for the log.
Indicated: 2:54
